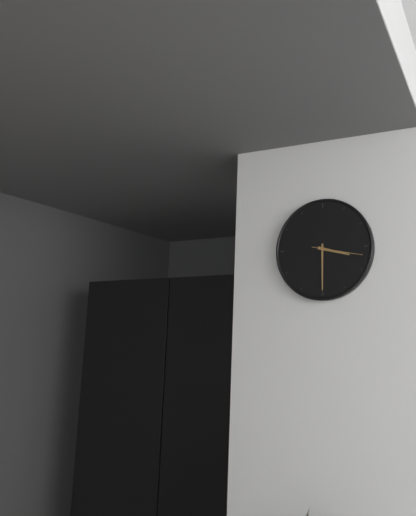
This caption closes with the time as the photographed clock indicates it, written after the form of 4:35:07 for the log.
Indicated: 3:30:17
